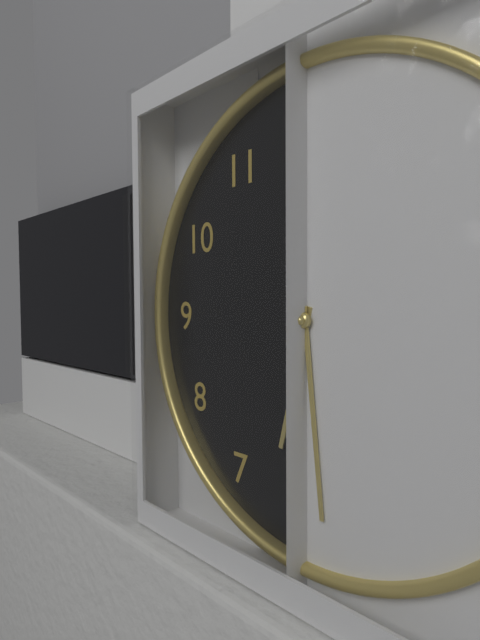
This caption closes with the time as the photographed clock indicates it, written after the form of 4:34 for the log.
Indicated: 6:29
